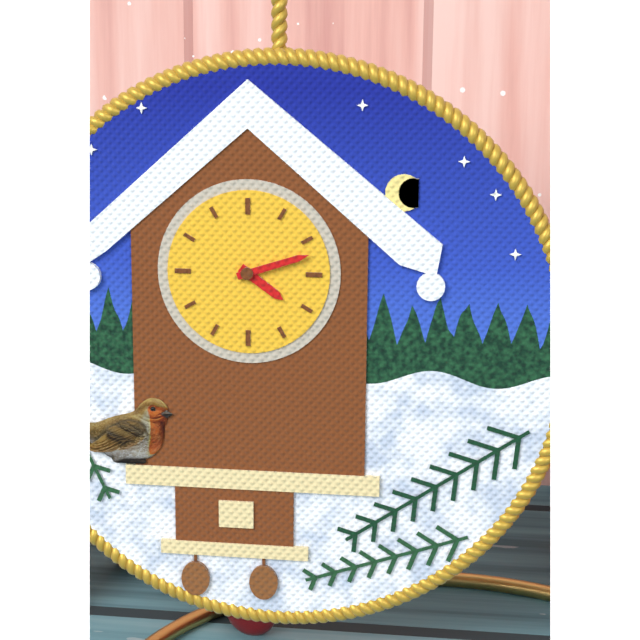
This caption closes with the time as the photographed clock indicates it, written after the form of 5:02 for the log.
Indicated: 4:12
